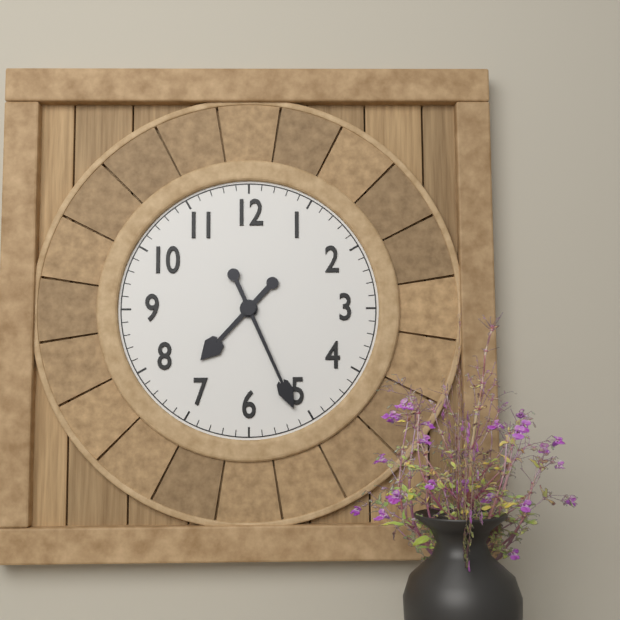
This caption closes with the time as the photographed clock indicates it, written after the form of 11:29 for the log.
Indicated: 7:26
